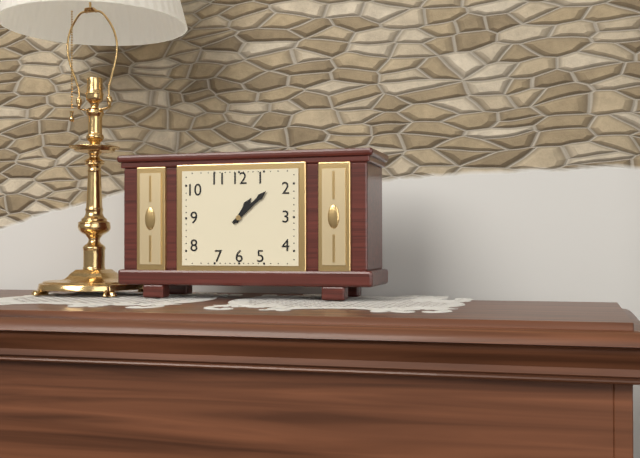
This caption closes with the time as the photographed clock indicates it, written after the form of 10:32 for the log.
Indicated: 1:08
